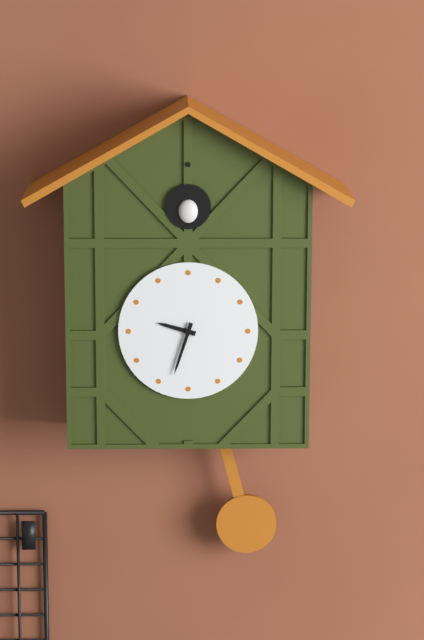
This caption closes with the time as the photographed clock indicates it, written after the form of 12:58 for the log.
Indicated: 9:33
